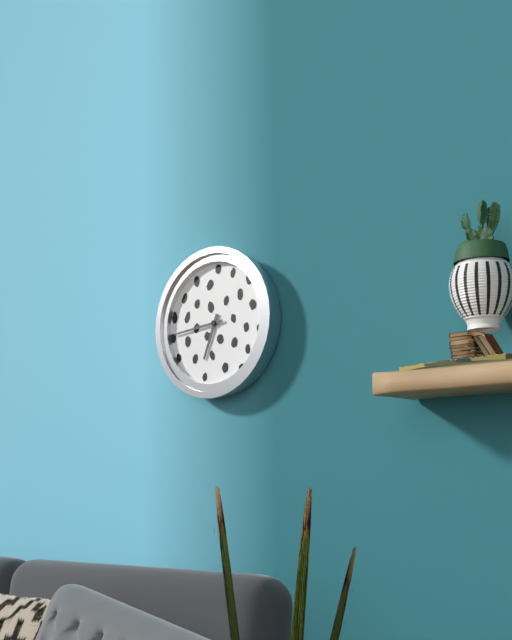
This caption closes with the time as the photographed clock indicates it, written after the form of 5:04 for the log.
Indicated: 6:44
